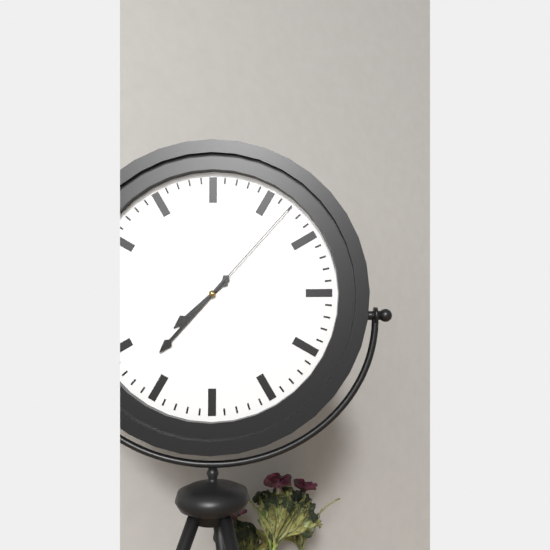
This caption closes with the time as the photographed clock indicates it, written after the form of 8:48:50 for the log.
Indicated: 7:37:07
